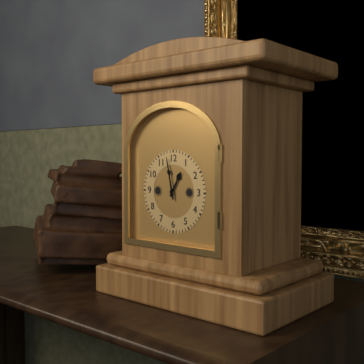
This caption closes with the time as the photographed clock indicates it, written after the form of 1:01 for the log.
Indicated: 12:58
